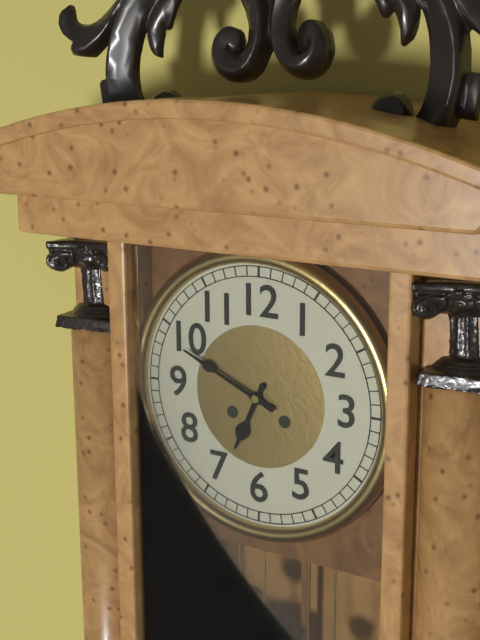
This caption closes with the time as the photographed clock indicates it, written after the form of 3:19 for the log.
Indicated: 6:49
